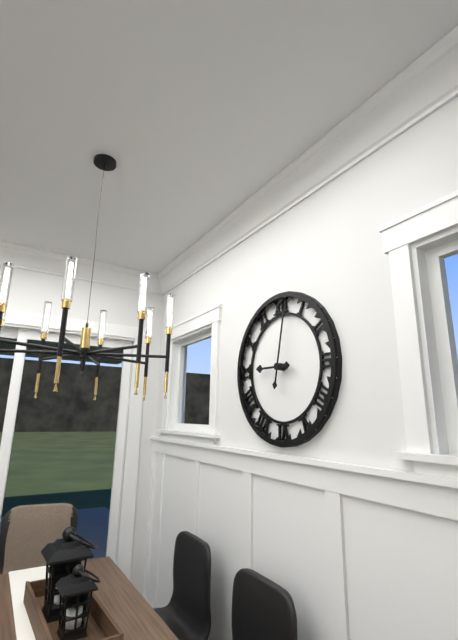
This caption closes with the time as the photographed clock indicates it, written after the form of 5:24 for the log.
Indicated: 9:02
